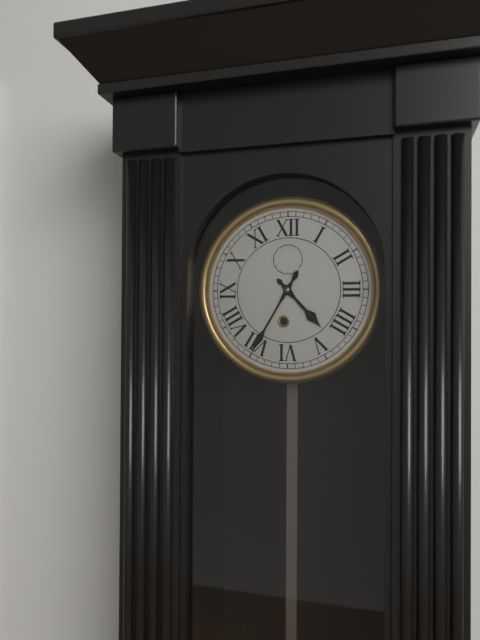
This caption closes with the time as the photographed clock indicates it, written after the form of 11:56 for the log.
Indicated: 4:35
